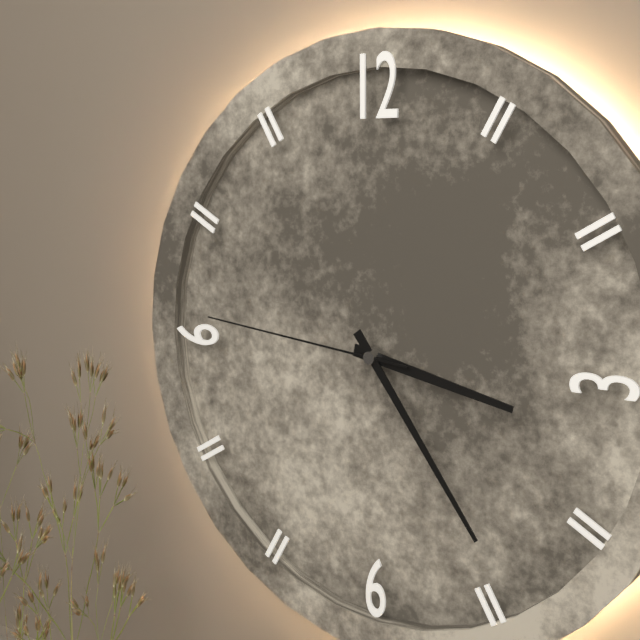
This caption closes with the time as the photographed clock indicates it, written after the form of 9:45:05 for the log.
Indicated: 3:24:46
